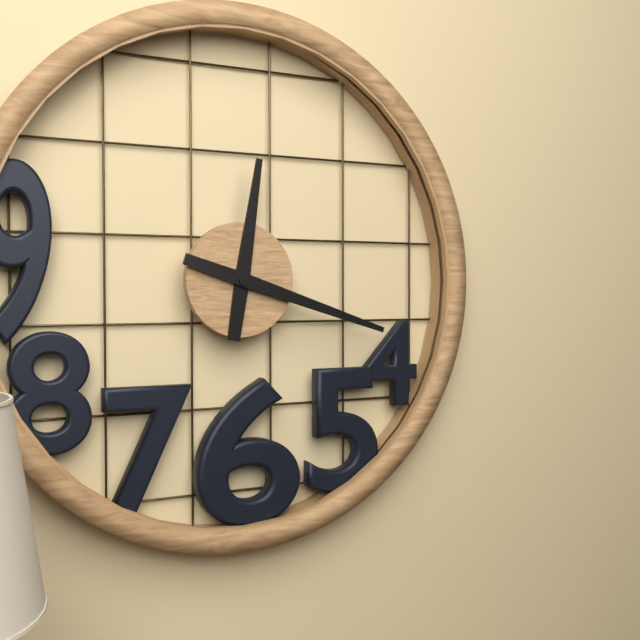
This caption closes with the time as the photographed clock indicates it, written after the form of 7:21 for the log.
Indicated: 12:18
